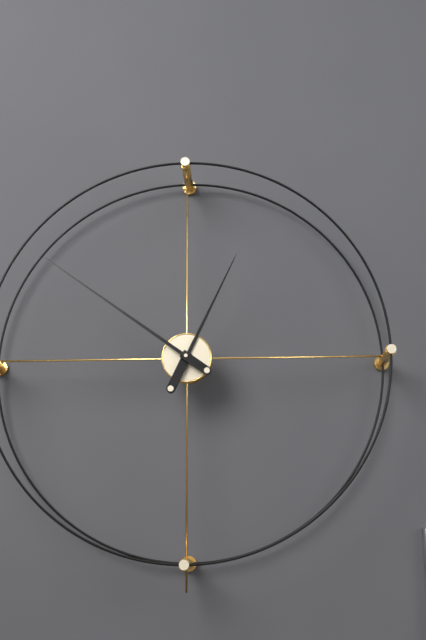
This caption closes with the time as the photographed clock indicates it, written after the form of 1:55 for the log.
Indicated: 12:51
